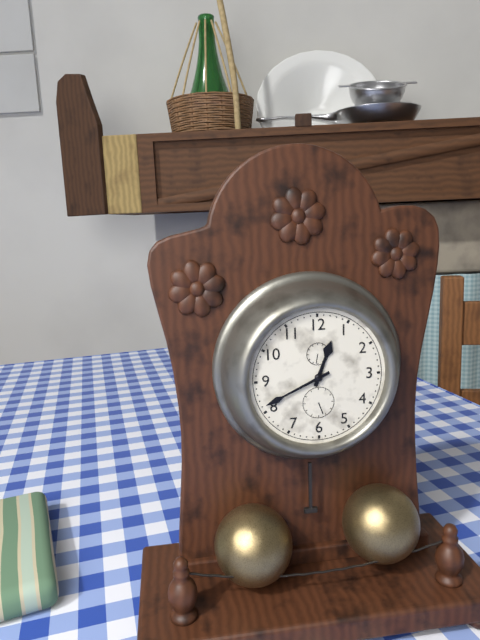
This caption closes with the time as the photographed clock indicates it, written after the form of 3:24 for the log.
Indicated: 12:41
